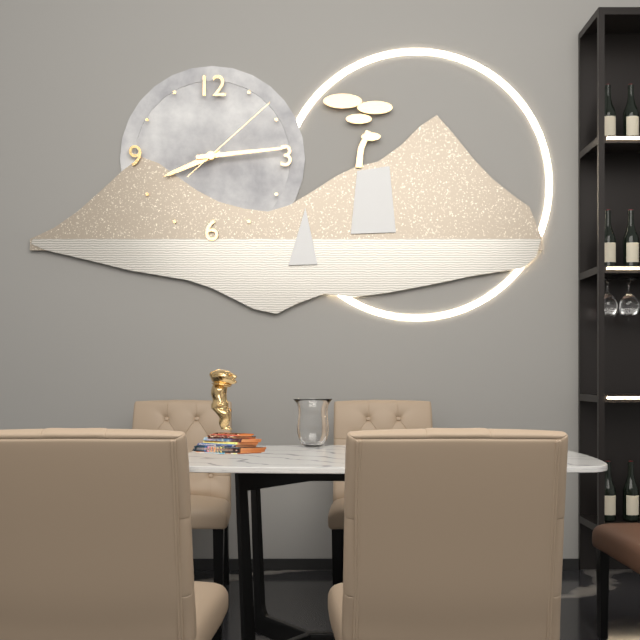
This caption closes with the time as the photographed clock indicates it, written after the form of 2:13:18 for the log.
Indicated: 8:14:08
